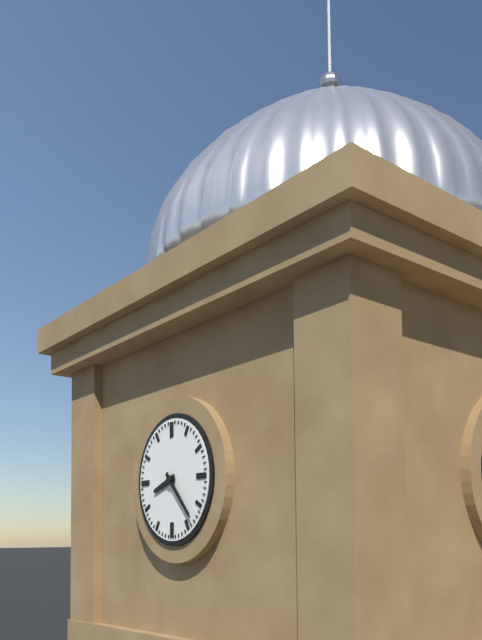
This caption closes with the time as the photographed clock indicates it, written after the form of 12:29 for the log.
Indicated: 8:23
